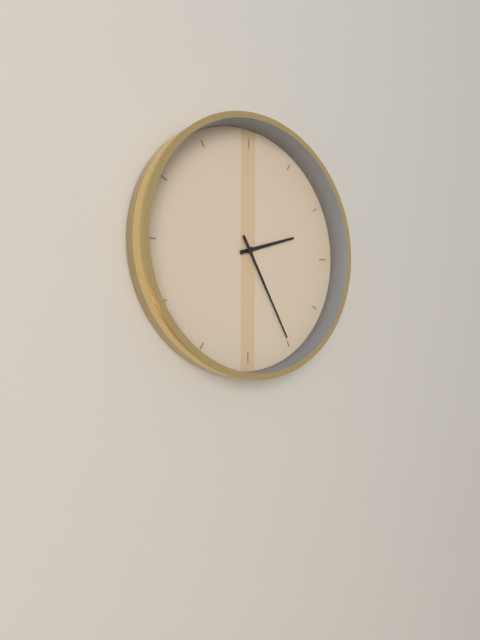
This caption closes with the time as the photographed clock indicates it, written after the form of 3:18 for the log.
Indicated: 2:25
